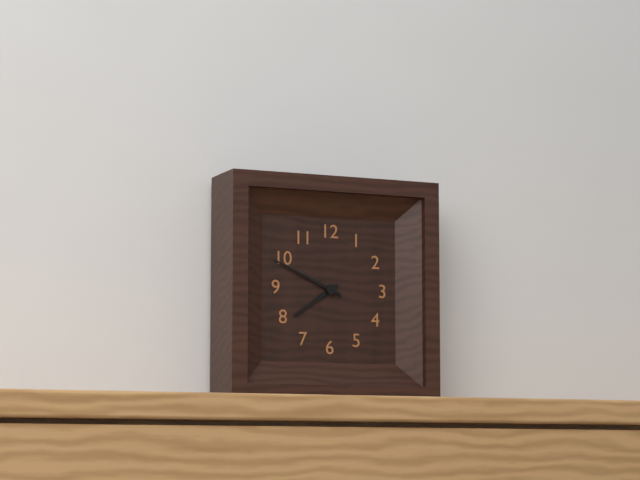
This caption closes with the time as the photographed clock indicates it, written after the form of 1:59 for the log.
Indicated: 7:49
